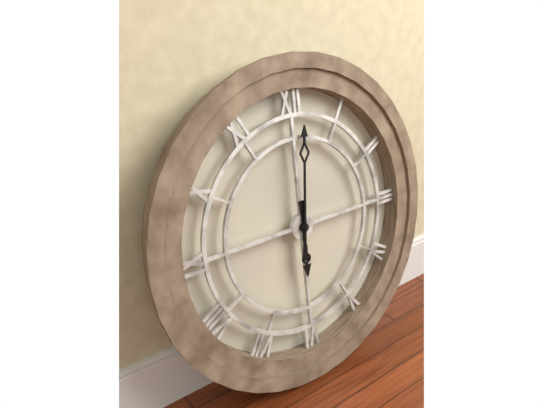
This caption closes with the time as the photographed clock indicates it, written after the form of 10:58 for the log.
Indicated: 6:01
